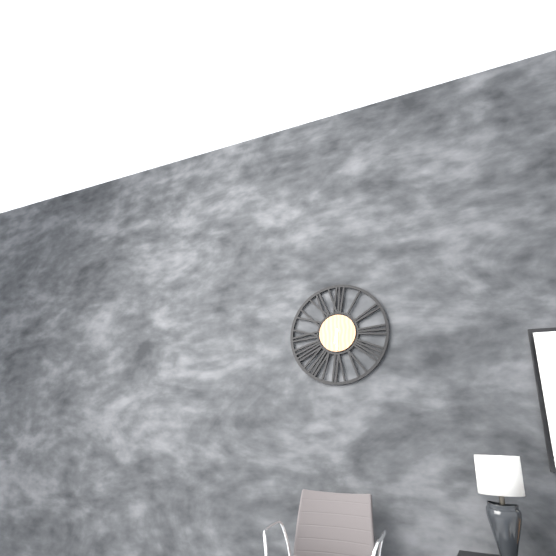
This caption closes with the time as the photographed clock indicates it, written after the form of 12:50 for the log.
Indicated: 6:30
